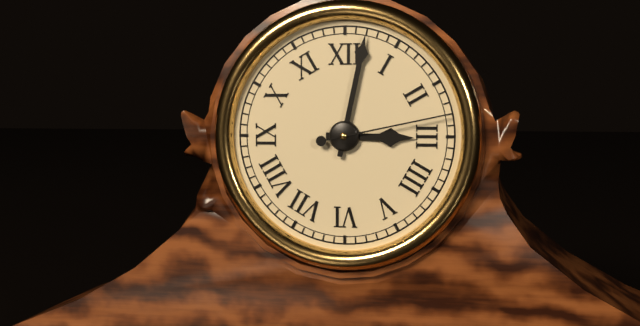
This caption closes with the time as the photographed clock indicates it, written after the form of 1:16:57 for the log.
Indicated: 3:02:13
